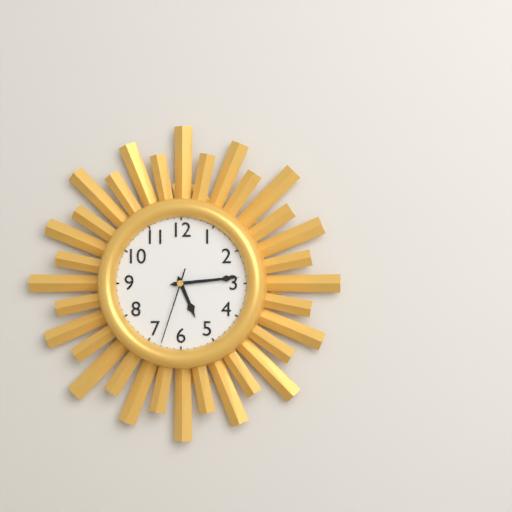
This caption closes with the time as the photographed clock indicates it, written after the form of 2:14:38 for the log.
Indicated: 5:14:33
